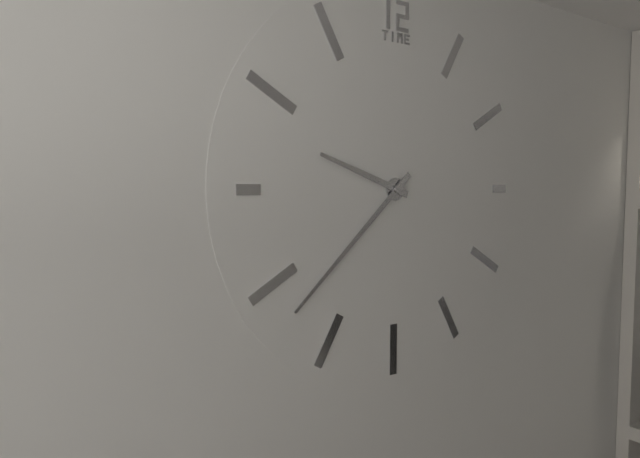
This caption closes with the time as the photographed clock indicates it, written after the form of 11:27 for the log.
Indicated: 9:38
